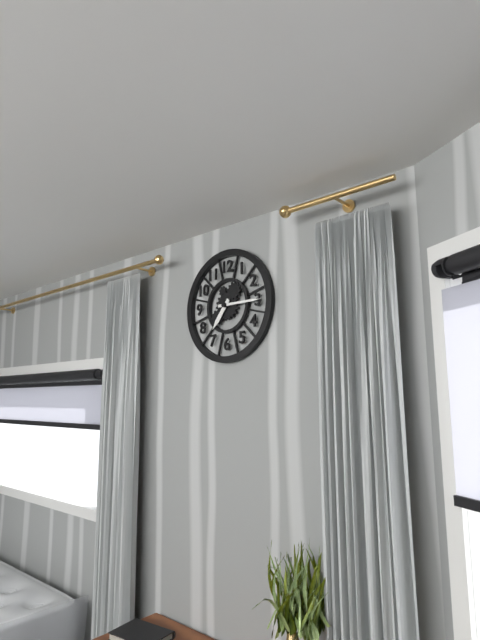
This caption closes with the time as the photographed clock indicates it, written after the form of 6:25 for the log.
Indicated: 7:15
